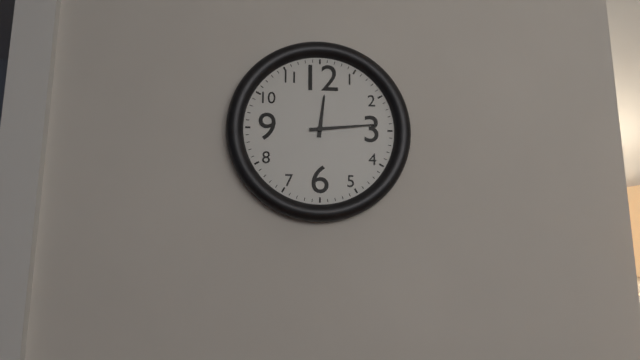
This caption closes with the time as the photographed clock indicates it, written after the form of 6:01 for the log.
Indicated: 12:14
